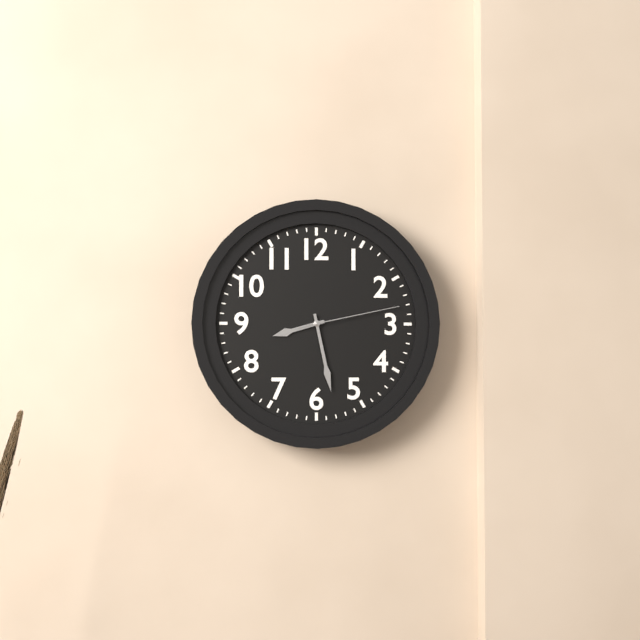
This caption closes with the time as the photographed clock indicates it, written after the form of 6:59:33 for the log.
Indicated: 8:28:13
